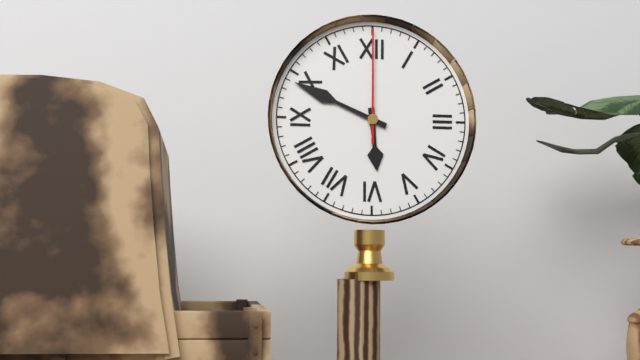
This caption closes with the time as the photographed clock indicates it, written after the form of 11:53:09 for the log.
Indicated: 5:49:00
